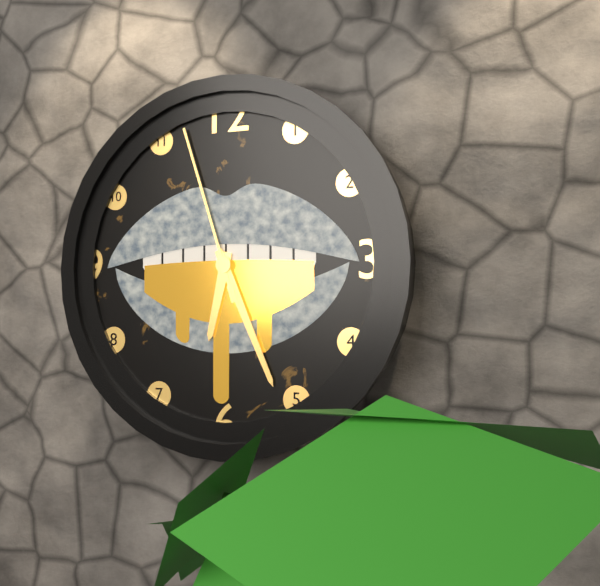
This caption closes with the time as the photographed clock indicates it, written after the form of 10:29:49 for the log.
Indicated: 6:26:57
